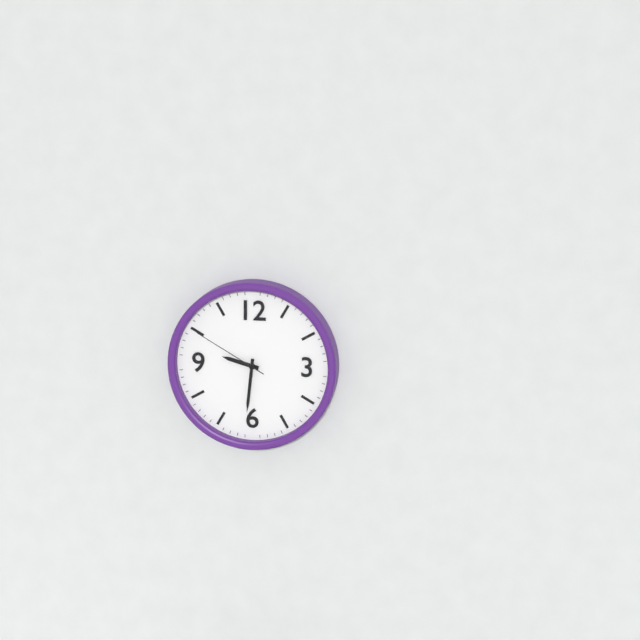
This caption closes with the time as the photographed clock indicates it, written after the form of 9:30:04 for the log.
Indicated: 9:31:50
